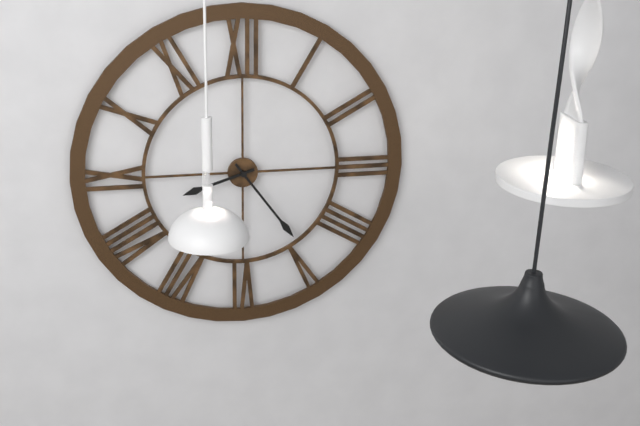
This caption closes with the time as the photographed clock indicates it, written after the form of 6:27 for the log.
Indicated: 8:24
